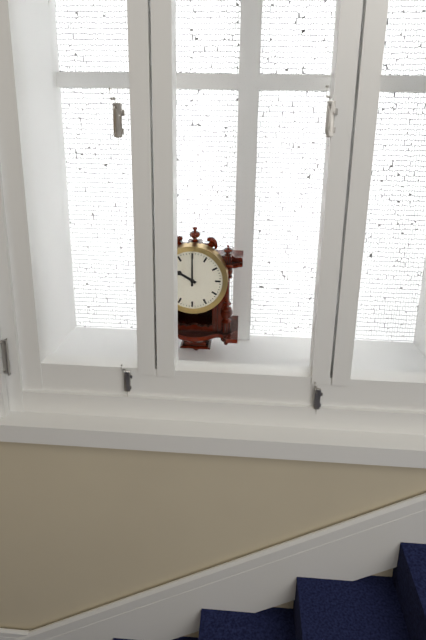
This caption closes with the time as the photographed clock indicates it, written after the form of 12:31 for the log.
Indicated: 10:00
